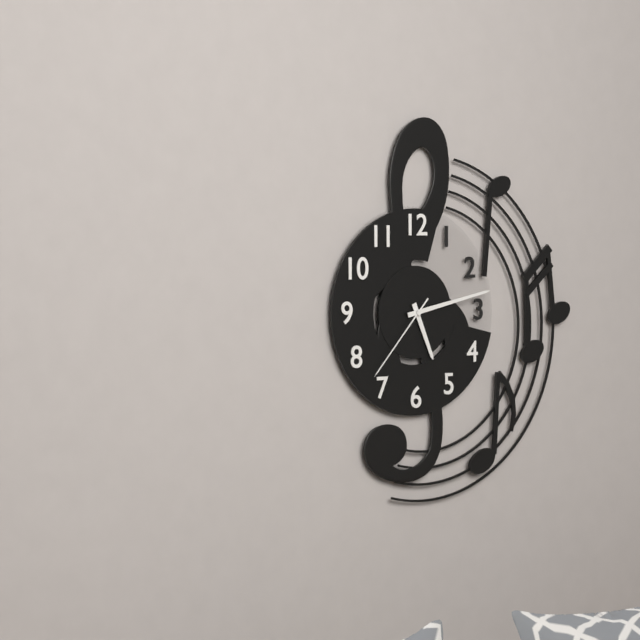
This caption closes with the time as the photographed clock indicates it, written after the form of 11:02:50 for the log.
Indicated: 5:13:37
